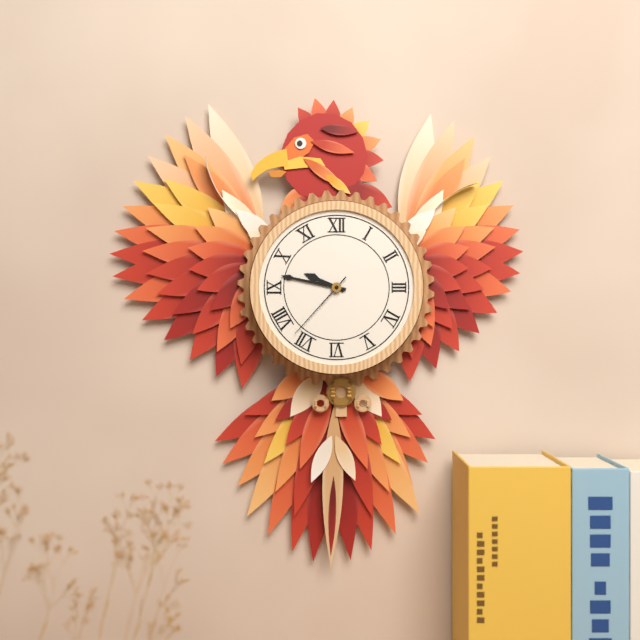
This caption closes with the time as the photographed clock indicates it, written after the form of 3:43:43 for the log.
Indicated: 9:47:37
